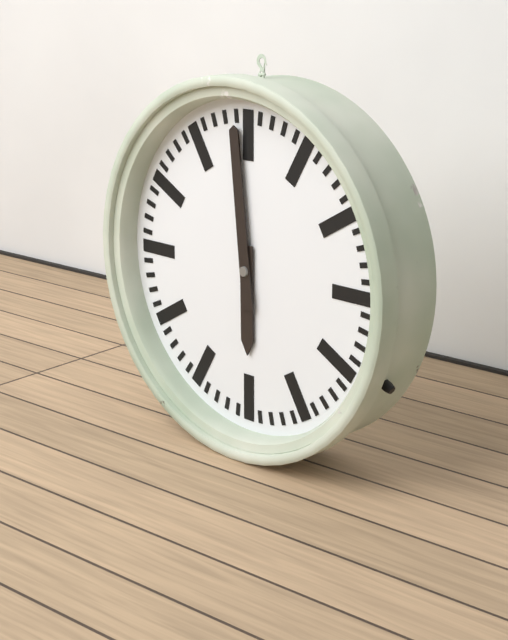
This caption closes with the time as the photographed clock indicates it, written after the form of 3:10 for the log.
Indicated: 5:59
